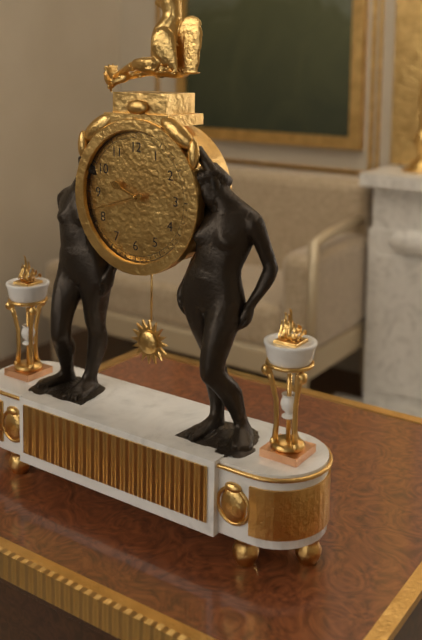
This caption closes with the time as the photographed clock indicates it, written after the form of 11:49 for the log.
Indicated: 9:42
